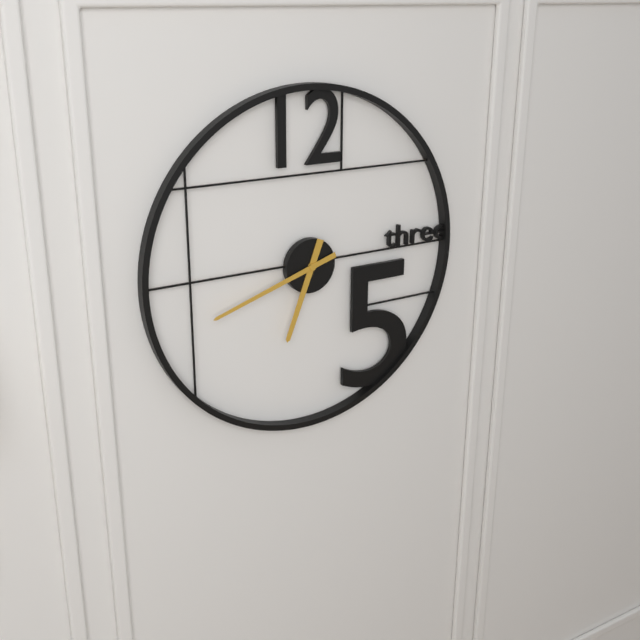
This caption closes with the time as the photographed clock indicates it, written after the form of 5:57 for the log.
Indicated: 6:42
